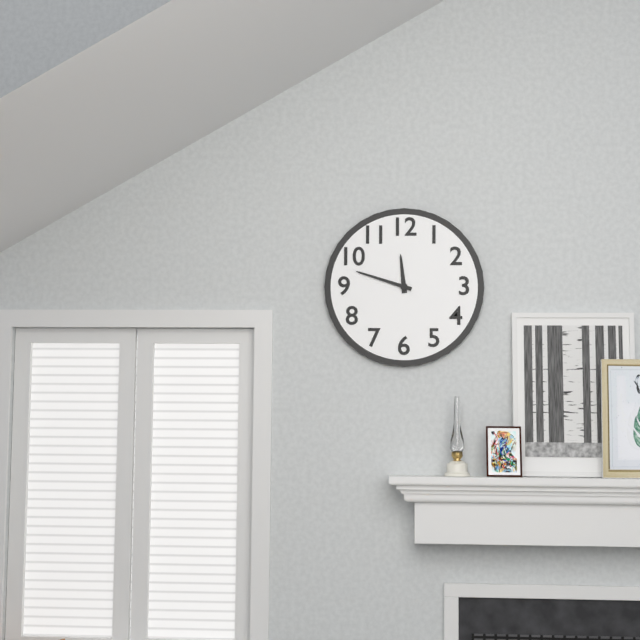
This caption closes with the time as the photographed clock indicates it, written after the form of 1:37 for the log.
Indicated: 11:48
